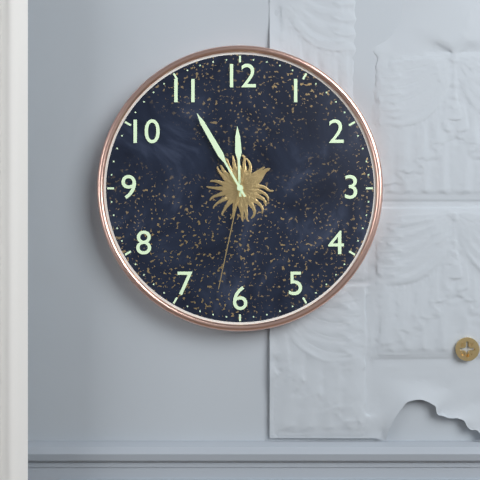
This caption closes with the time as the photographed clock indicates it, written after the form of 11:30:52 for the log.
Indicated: 11:55:32
